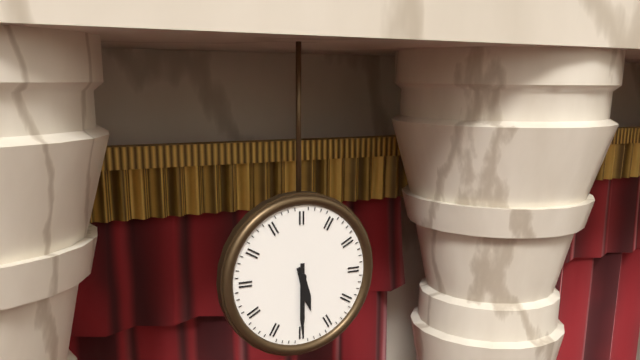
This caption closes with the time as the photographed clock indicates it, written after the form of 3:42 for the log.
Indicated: 5:30
